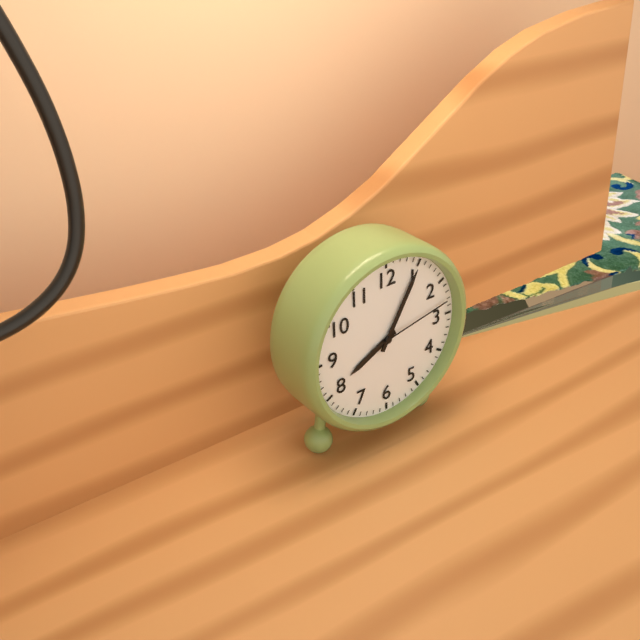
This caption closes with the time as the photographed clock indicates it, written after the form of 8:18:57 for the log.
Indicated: 8:05:13
